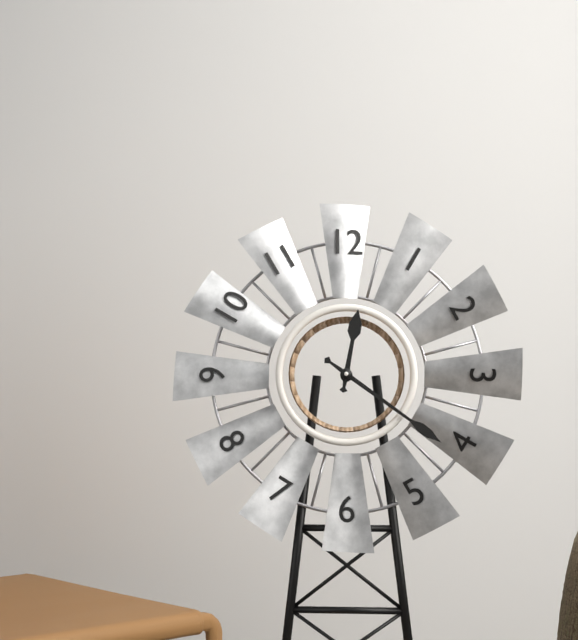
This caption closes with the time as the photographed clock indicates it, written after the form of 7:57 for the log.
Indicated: 12:21
